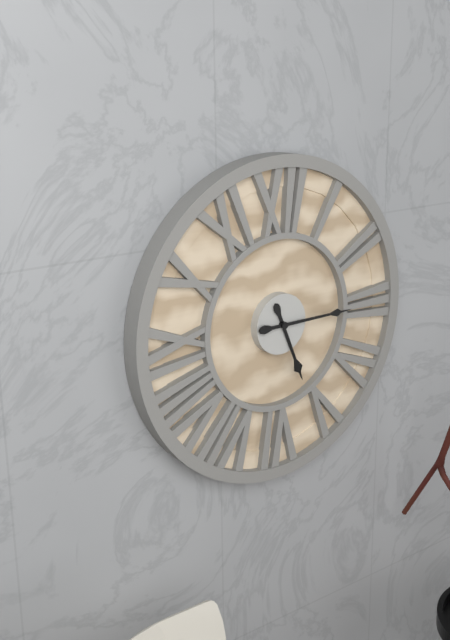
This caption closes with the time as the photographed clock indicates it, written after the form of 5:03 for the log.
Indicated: 5:15
